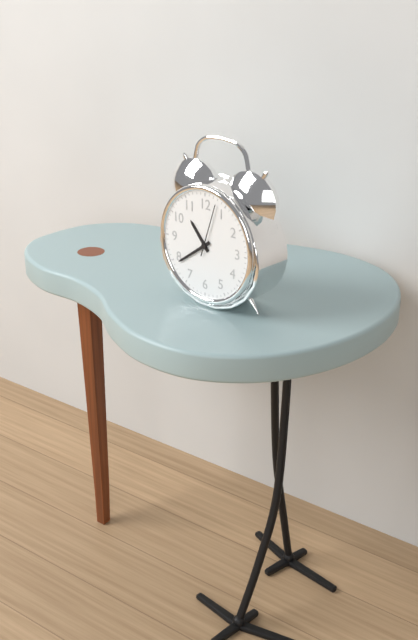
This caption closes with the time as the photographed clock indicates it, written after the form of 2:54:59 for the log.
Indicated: 10:39:03
